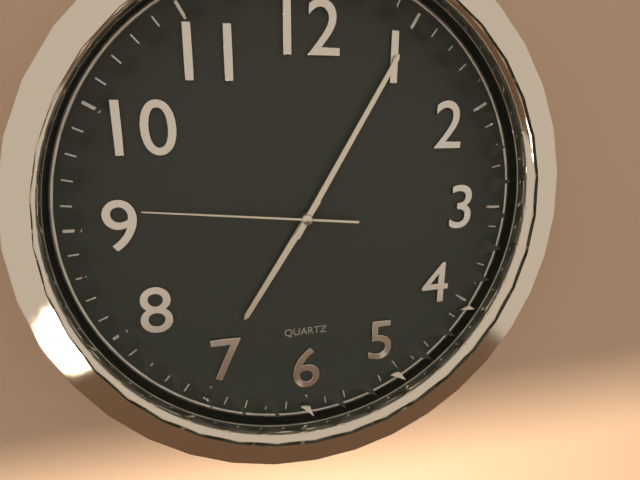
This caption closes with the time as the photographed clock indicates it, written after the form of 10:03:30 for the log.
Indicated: 7:05:46
